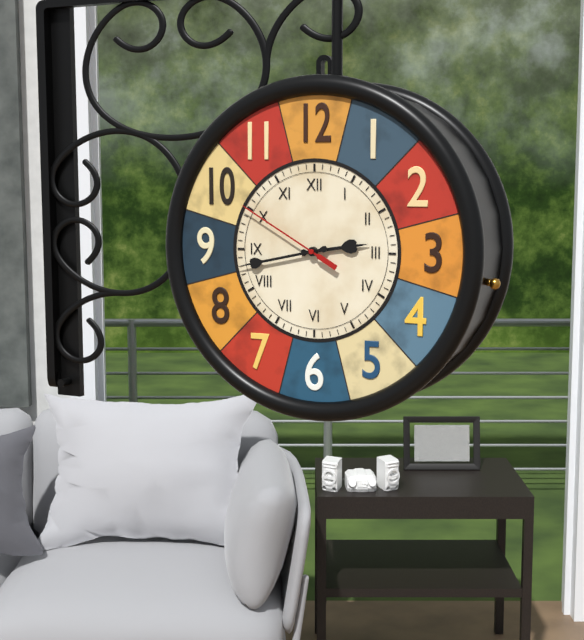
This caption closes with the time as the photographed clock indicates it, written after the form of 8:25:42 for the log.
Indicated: 2:43:50
